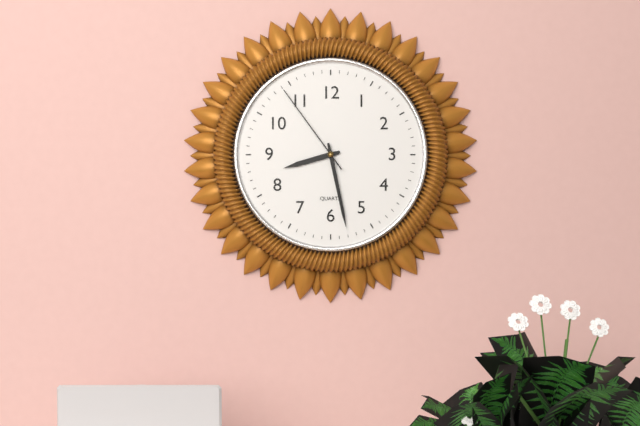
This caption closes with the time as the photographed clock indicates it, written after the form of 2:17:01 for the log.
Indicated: 8:28:54
